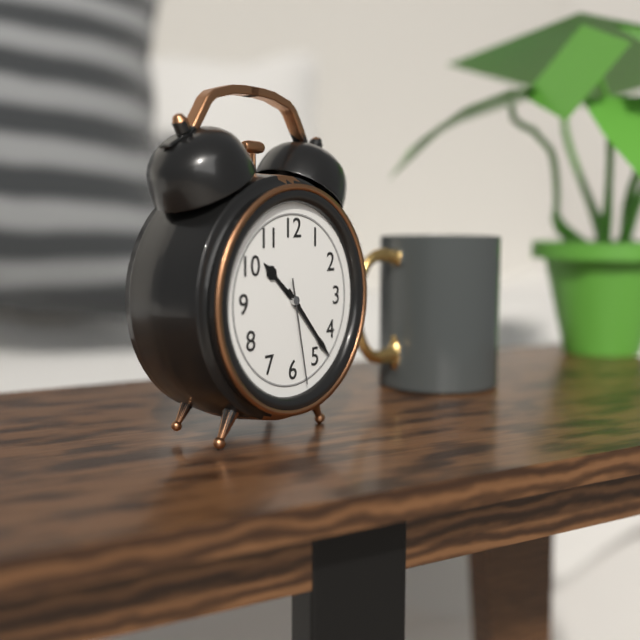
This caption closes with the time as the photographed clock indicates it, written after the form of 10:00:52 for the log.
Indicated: 10:23:28
